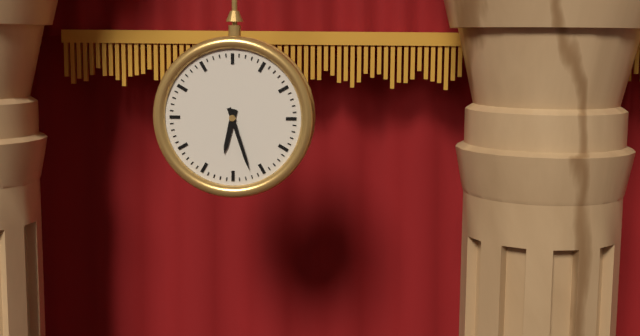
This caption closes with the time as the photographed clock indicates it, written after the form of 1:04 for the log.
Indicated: 6:27
